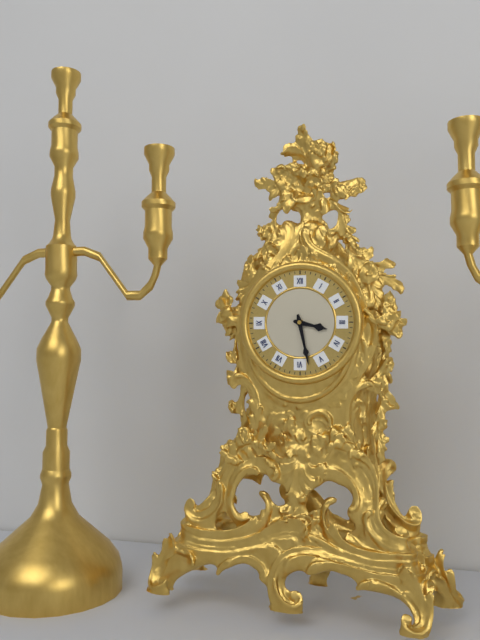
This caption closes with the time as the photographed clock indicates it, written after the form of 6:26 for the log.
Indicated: 3:28
